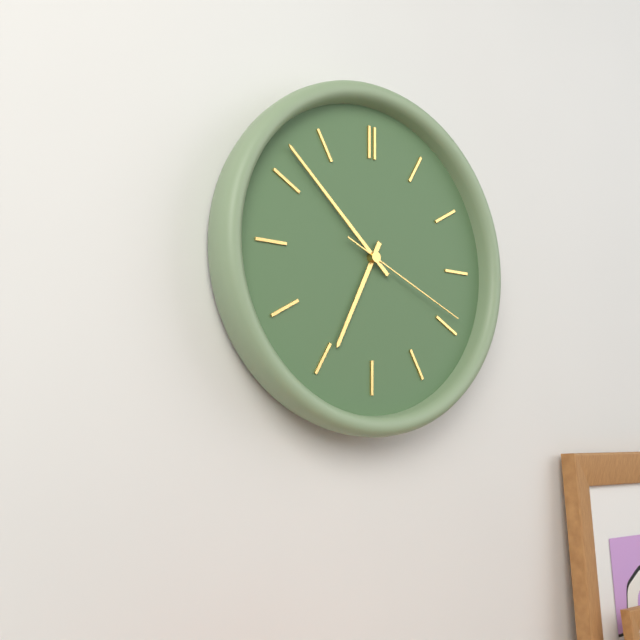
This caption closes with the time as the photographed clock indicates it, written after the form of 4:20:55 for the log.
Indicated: 6:52:19
